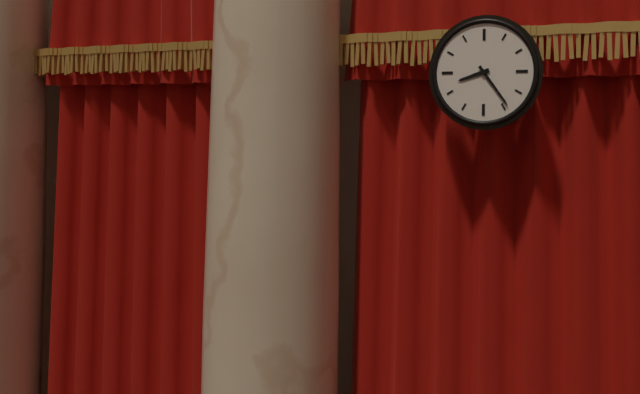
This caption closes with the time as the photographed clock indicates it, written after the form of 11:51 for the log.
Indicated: 8:24
